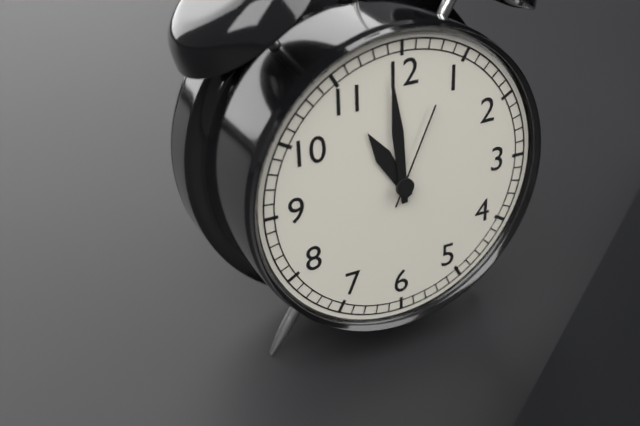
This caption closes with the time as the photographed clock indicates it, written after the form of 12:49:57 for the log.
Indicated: 10:59:04
